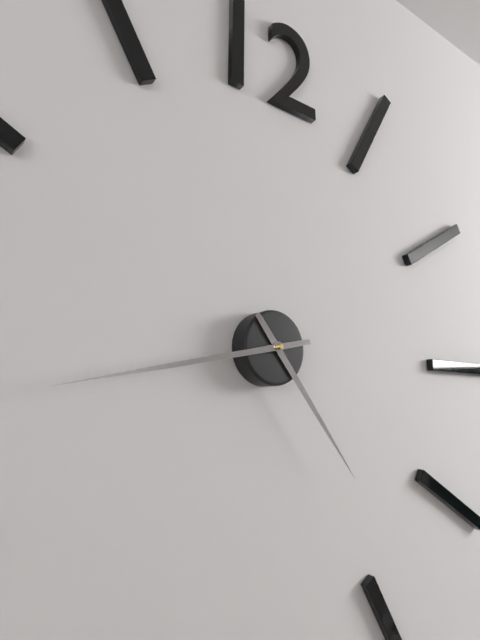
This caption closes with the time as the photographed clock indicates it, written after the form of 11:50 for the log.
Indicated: 4:43
